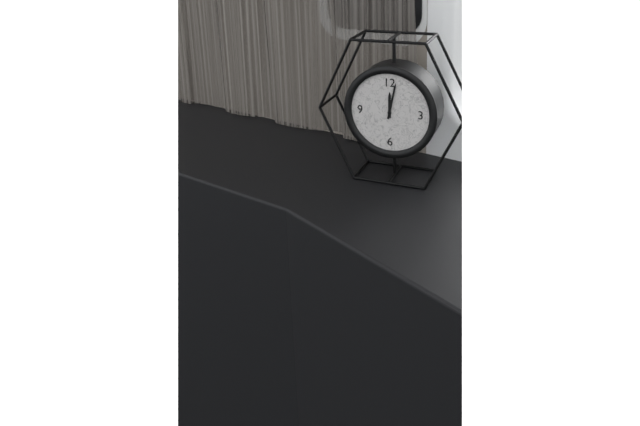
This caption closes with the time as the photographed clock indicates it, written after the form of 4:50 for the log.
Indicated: 12:02
